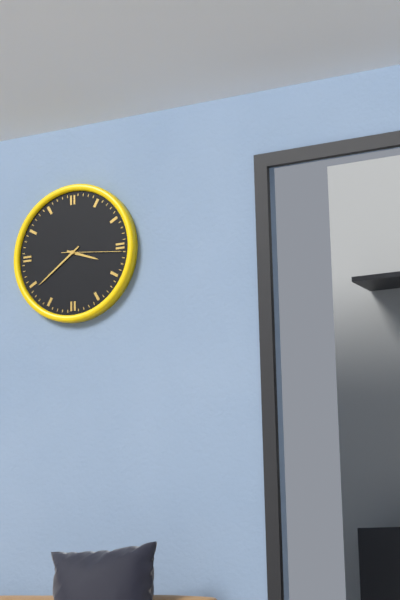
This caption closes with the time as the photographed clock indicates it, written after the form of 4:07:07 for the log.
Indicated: 3:39:16
